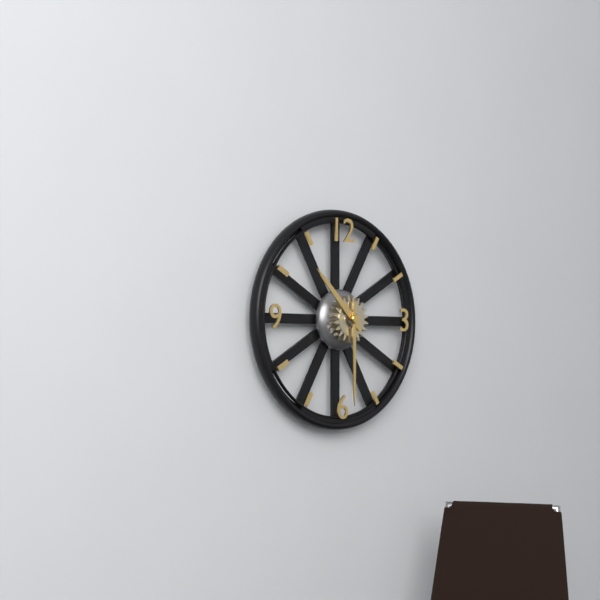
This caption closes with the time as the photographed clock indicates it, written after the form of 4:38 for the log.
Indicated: 10:30
